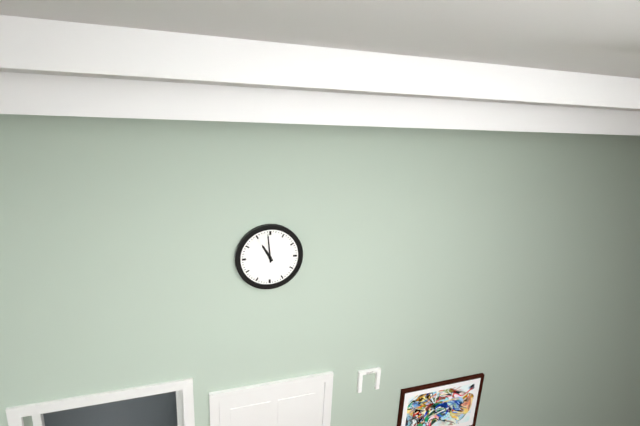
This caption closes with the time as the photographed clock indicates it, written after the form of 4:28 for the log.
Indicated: 10:59
